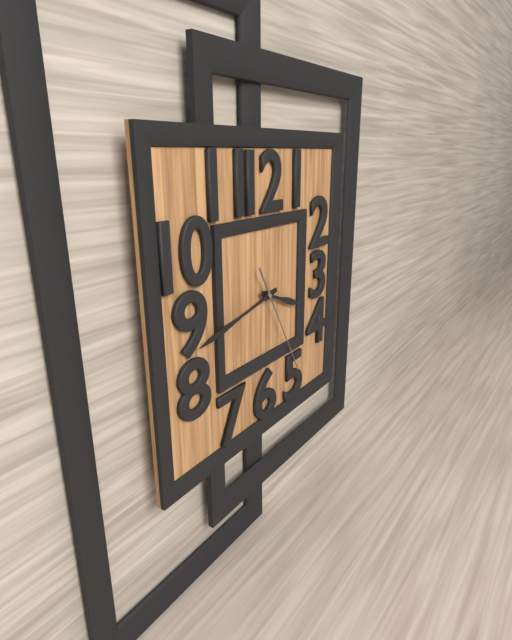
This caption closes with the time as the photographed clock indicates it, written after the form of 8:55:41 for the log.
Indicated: 3:43:25
